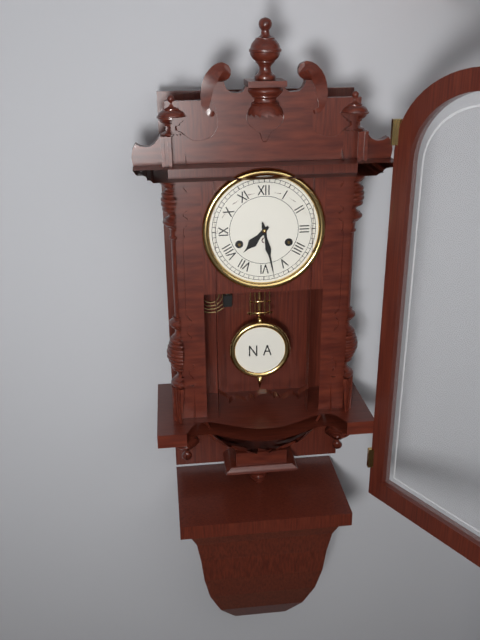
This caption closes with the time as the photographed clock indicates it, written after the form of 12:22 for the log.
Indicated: 7:28
